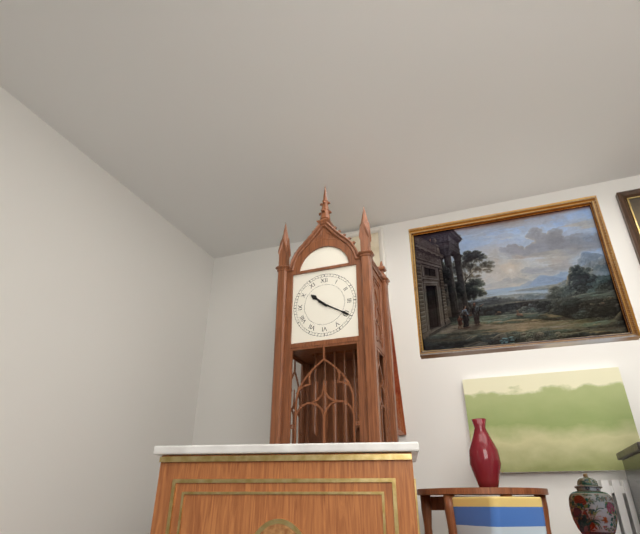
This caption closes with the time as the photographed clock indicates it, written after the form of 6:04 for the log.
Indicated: 10:20
